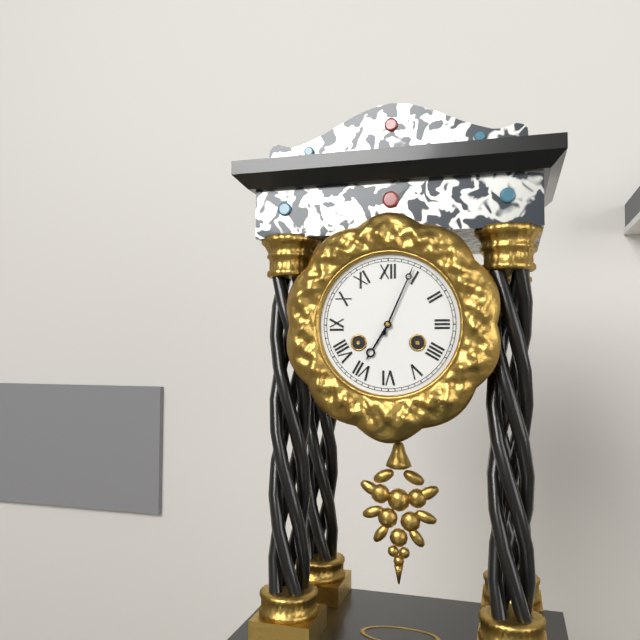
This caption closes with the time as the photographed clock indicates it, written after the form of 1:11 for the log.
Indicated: 7:04
